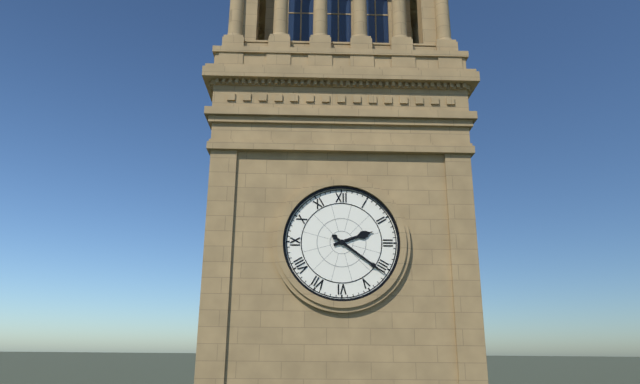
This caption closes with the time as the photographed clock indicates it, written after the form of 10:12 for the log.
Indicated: 2:21
